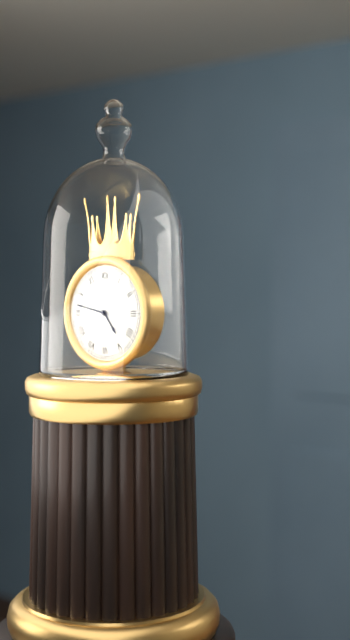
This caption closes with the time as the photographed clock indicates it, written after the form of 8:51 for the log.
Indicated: 4:47
